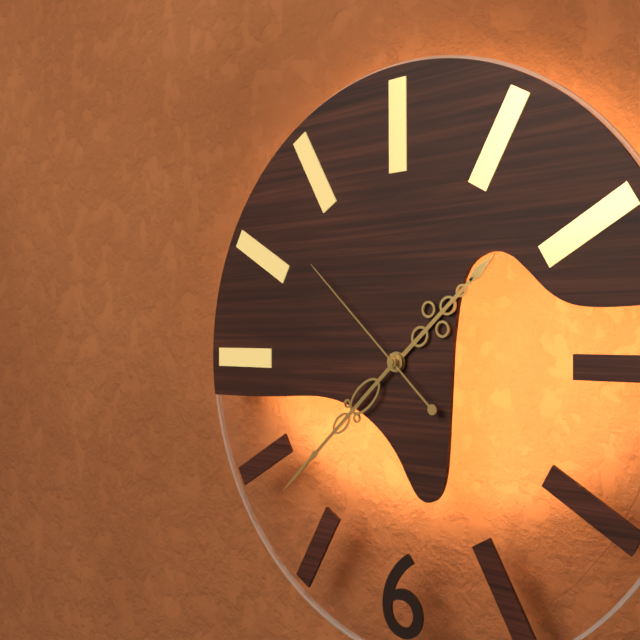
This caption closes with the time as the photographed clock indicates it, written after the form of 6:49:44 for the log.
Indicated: 1:38:52
